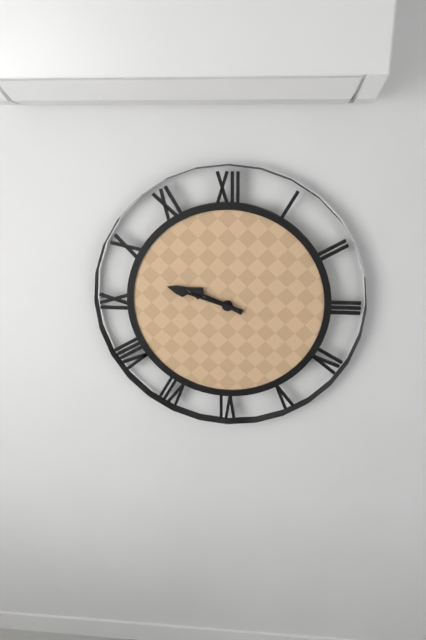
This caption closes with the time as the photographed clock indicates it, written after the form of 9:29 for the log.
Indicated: 9:48
